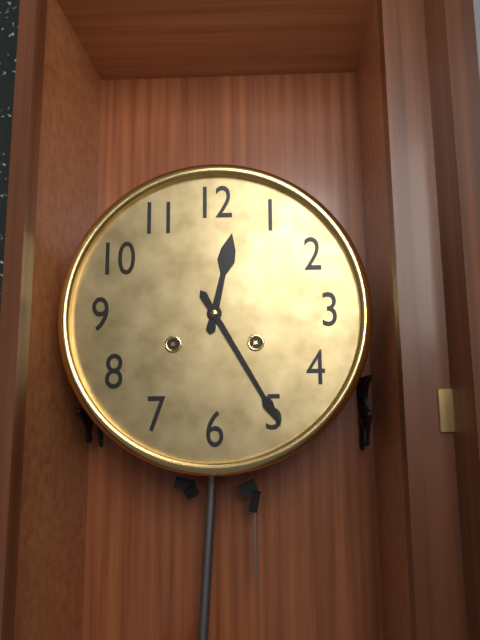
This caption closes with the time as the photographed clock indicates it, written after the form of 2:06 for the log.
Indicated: 12:25
